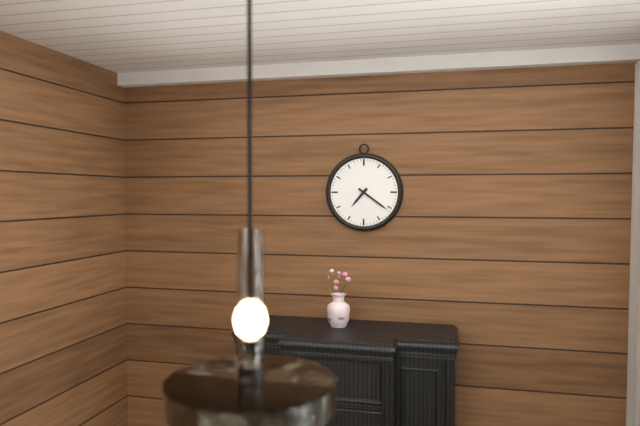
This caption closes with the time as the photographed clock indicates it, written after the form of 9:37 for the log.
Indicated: 7:21
